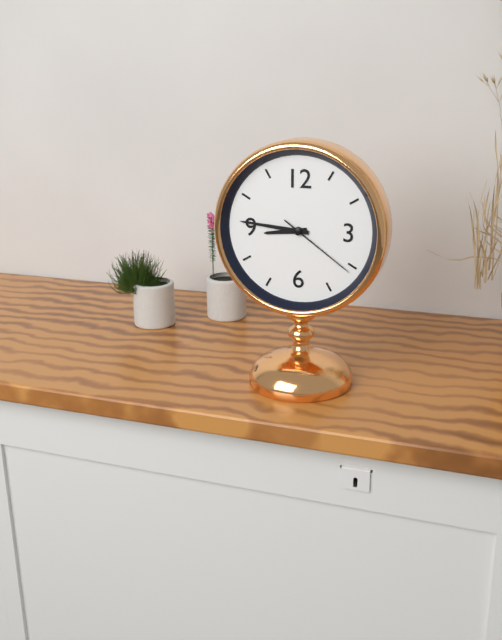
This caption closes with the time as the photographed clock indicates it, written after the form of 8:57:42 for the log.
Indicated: 8:46:21
